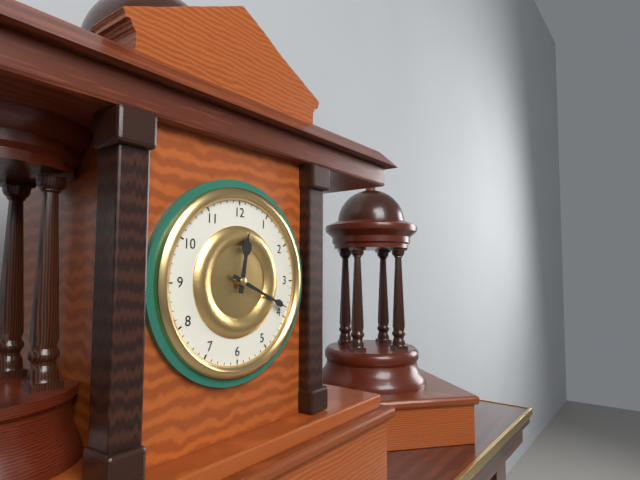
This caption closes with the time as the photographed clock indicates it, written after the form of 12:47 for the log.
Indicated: 12:19
